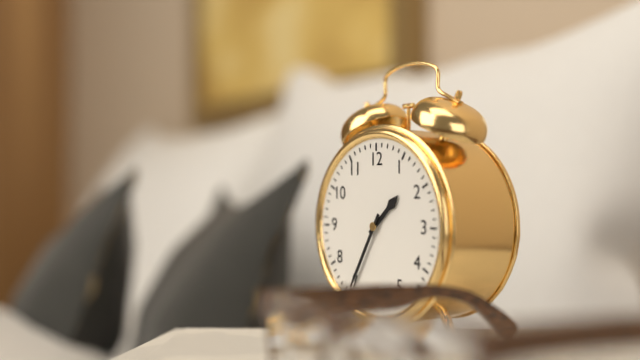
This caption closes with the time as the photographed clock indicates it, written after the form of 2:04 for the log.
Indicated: 1:35
